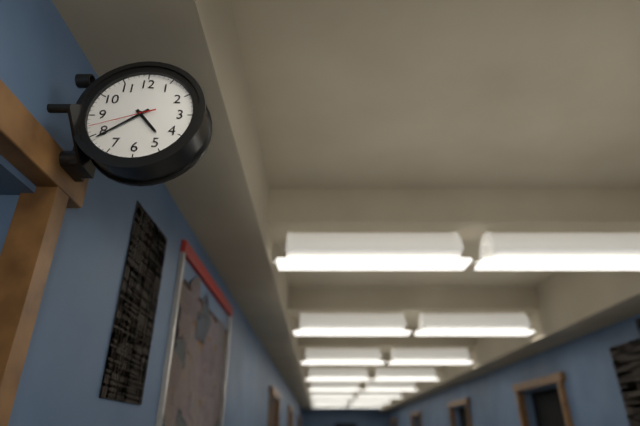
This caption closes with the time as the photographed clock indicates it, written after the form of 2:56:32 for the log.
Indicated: 4:39:42
